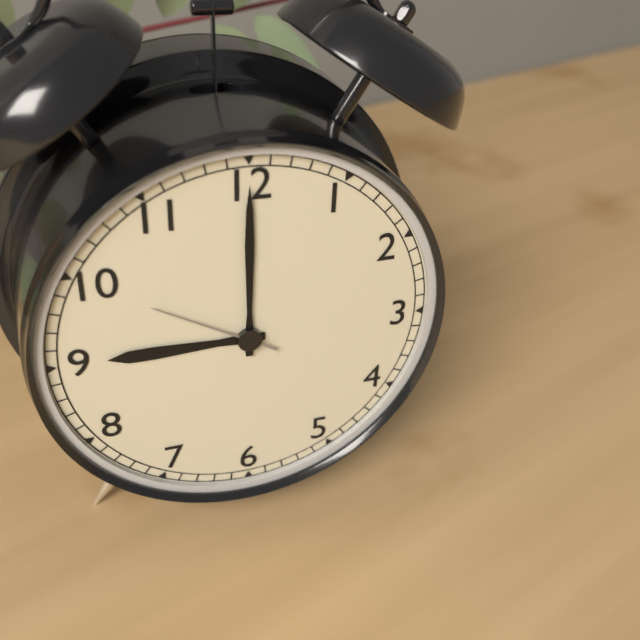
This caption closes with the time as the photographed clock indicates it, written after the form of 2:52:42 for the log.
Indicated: 9:00:50
